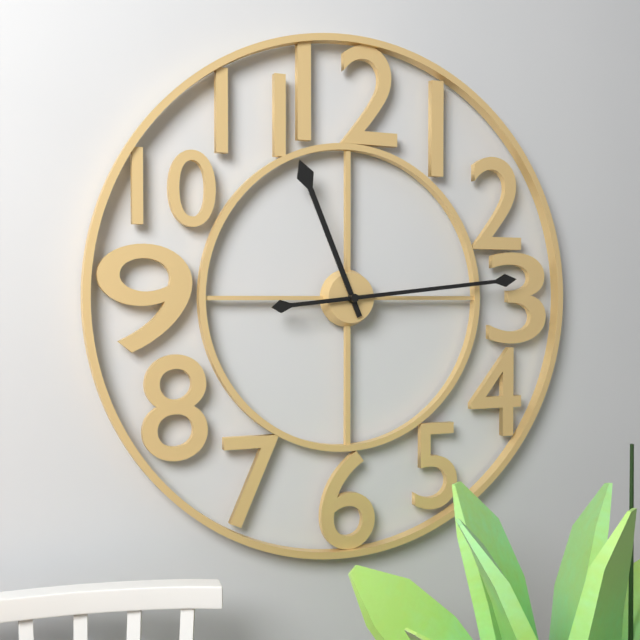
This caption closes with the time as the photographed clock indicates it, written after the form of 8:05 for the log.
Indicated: 11:14
